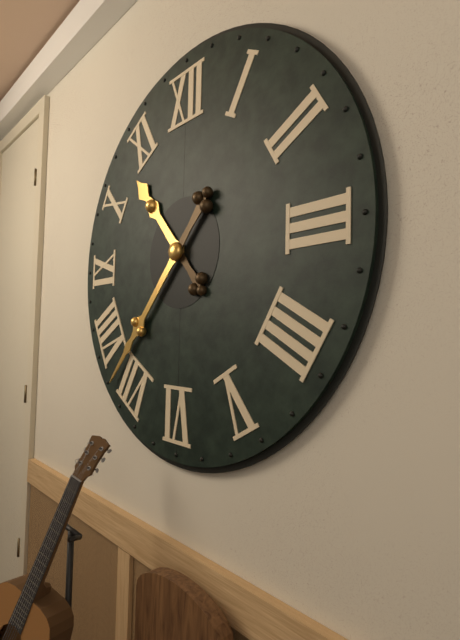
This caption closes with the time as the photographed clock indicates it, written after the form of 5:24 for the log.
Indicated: 10:37
